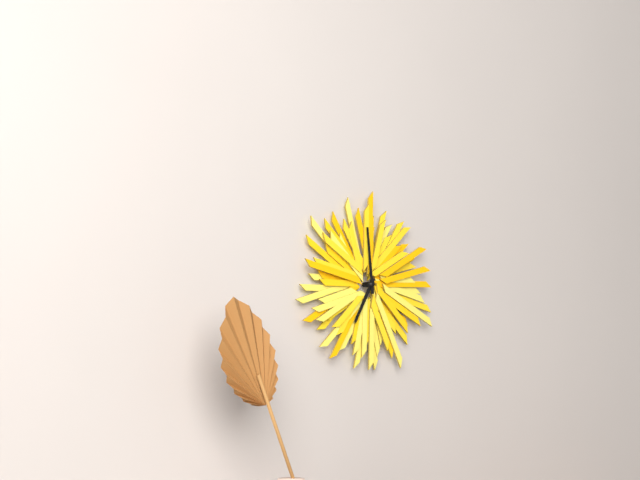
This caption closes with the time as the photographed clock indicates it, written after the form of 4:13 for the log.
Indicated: 6:59
